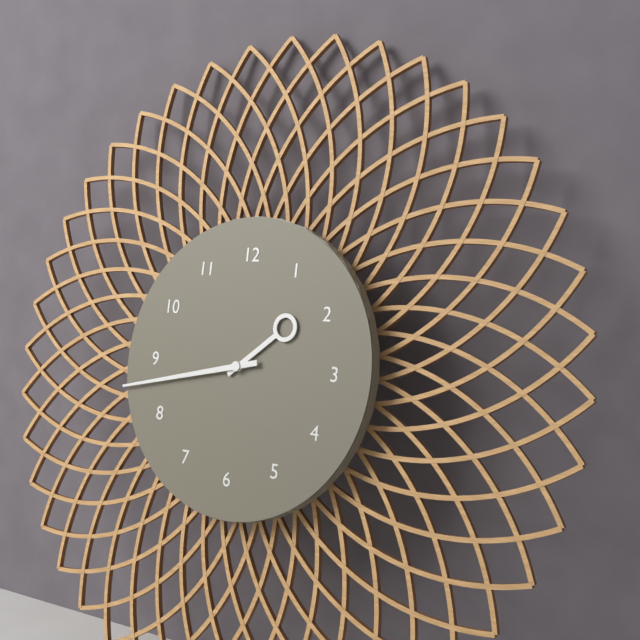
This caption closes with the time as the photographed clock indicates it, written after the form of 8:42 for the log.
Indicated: 1:43
